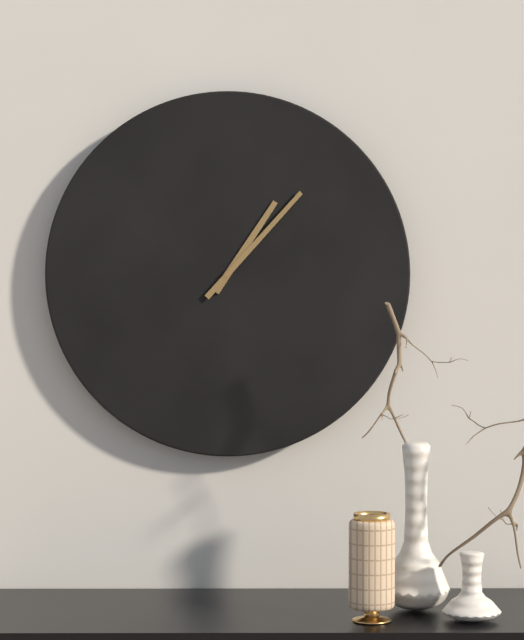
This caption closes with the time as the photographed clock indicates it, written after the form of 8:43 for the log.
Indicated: 1:07
